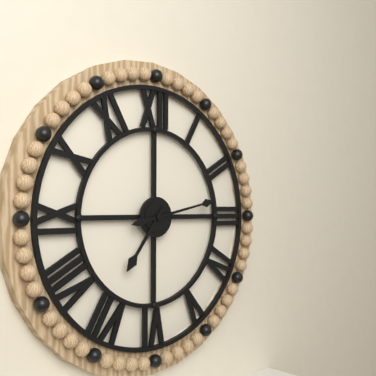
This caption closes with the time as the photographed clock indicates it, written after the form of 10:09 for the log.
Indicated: 7:13
